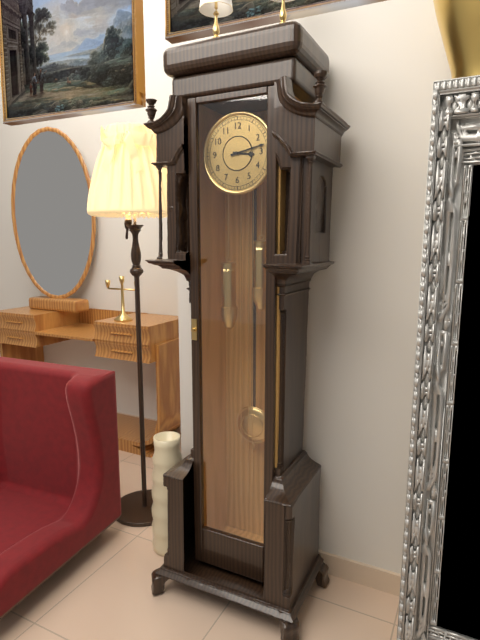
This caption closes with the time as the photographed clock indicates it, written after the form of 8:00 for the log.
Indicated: 3:13
